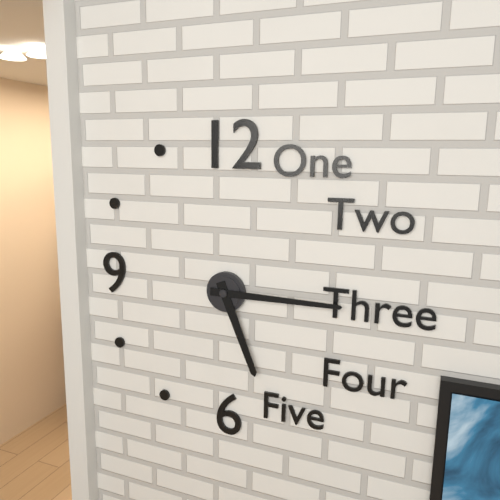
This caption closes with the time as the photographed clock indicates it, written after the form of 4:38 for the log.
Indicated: 5:15
